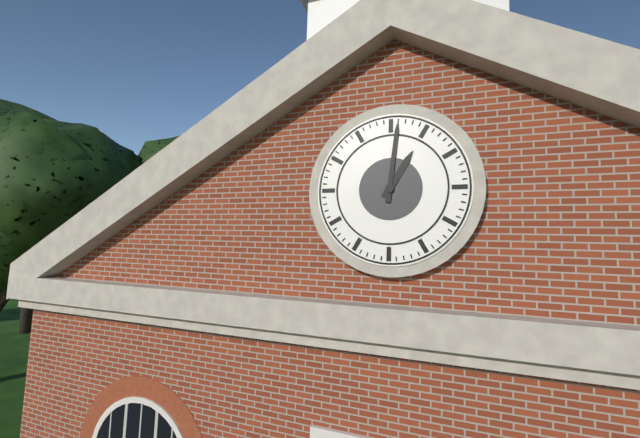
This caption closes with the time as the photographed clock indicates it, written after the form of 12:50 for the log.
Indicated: 1:01
